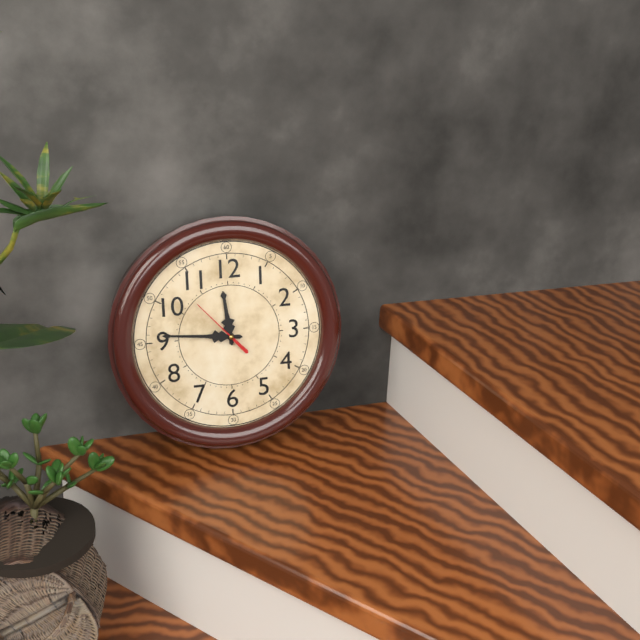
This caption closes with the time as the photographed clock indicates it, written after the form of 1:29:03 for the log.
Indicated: 11:46:53
